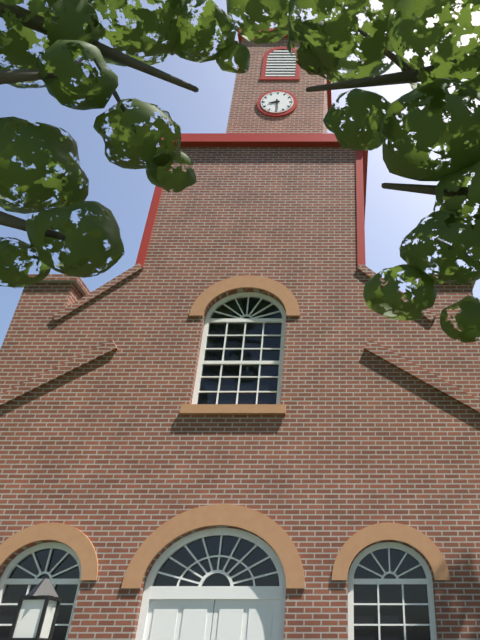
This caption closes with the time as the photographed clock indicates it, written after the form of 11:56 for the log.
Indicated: 8:29
